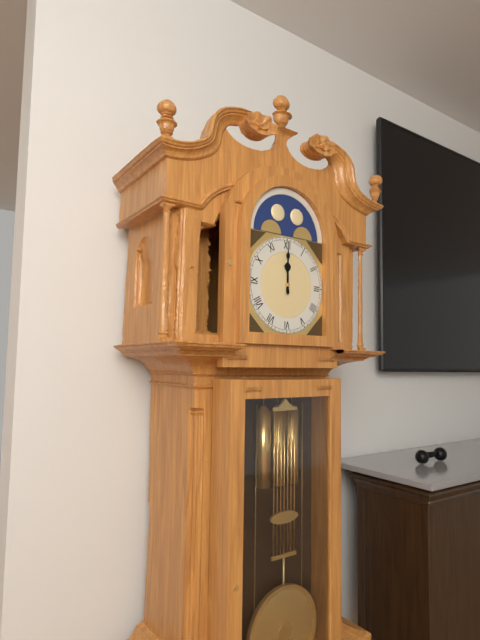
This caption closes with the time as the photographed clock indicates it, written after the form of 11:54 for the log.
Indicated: 12:00
